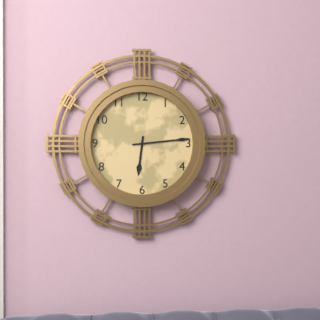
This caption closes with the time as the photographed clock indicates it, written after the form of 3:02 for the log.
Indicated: 6:14
